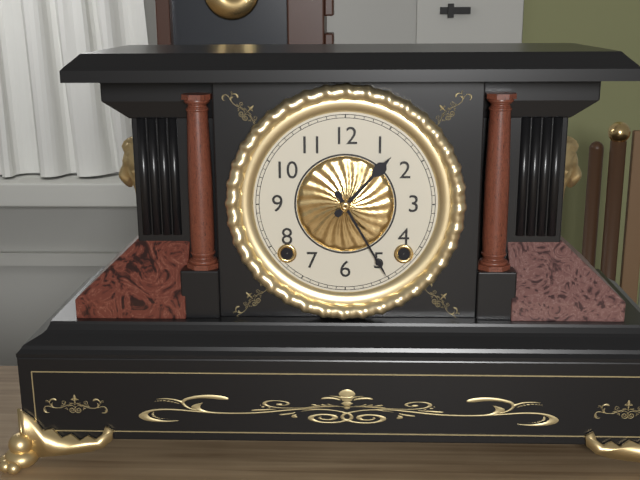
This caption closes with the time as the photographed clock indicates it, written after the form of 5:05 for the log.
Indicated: 1:25
